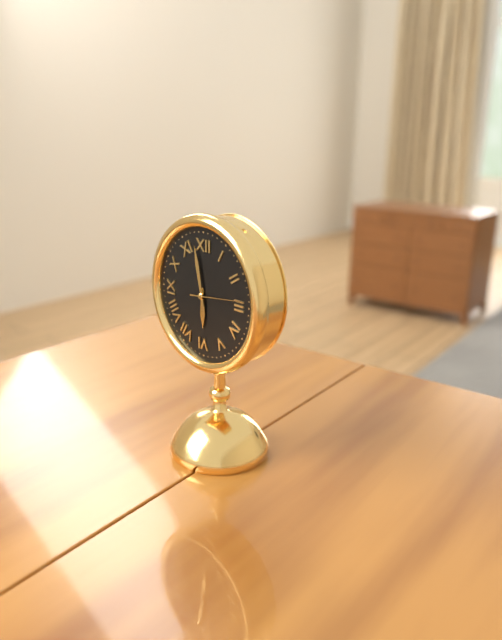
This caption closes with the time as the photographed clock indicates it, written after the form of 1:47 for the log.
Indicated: 5:58
